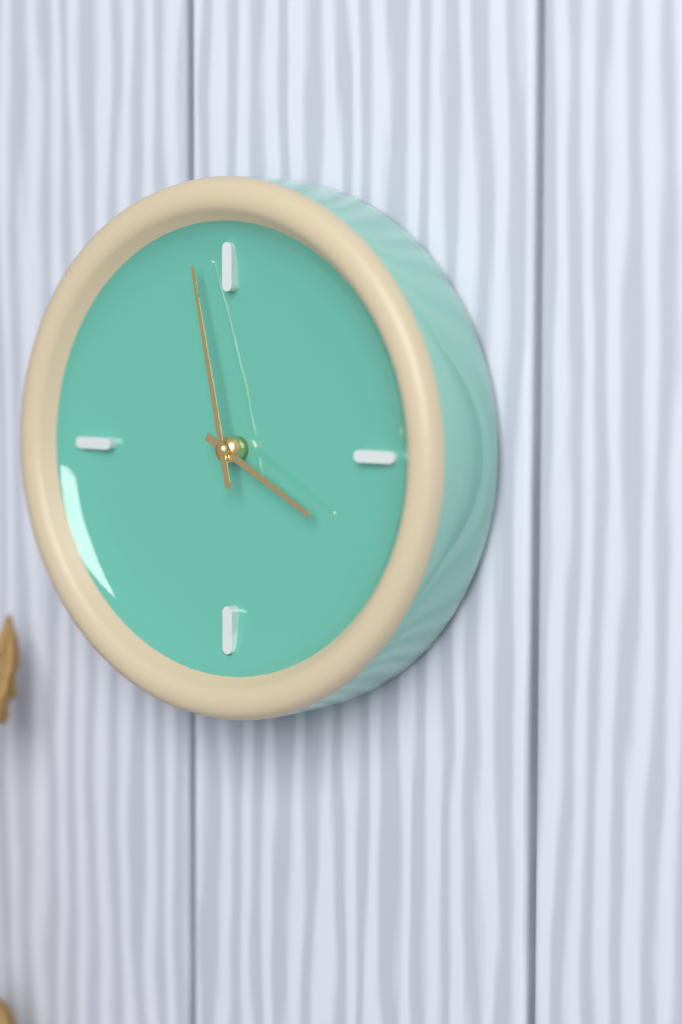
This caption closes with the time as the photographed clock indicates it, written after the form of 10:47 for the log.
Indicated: 3:58
